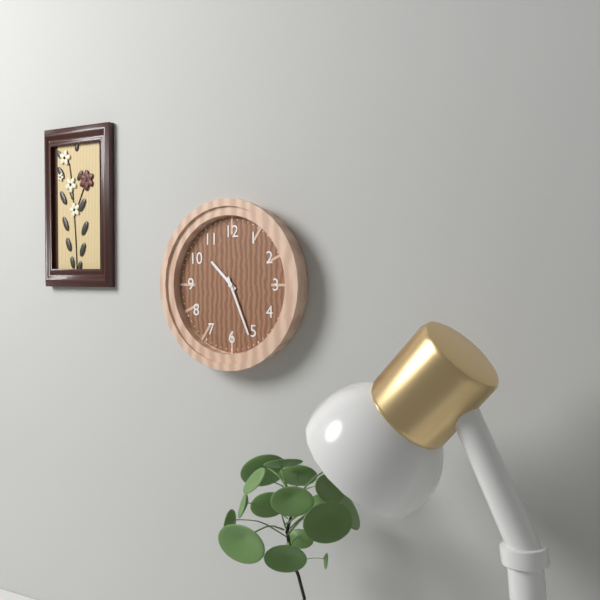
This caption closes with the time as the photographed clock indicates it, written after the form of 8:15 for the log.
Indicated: 10:26
